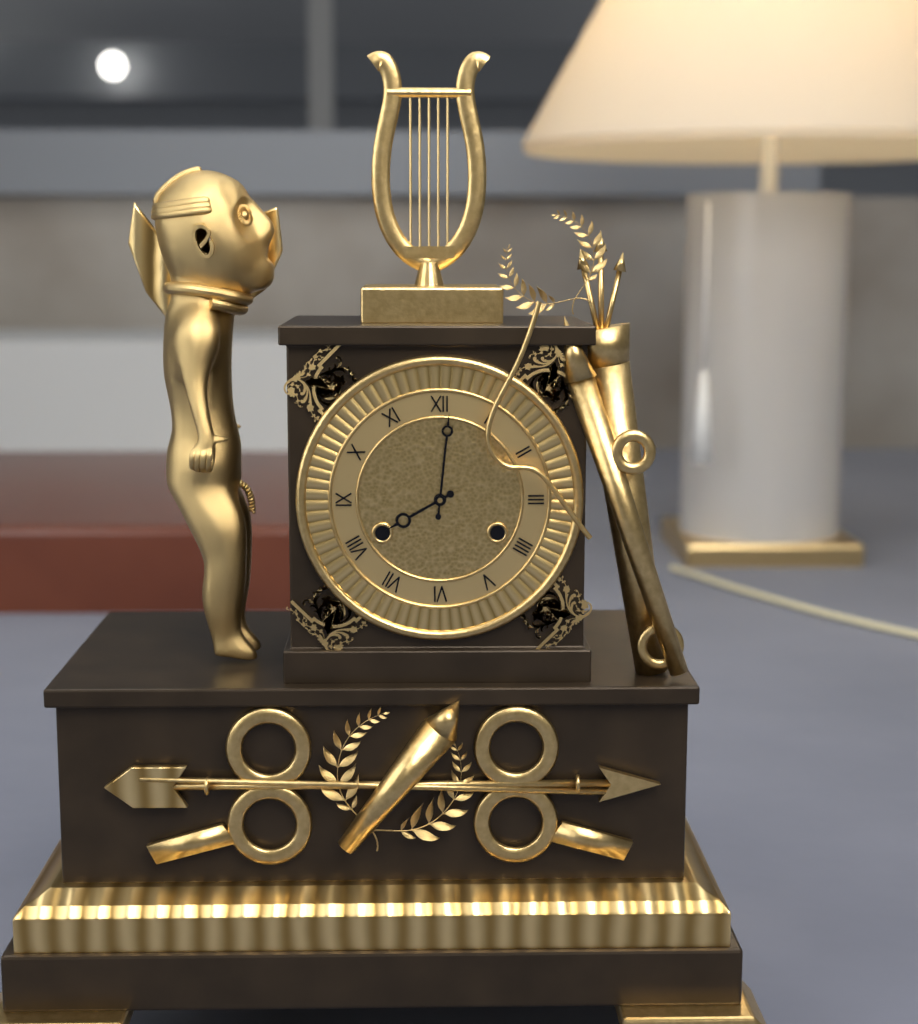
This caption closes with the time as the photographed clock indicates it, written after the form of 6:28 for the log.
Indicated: 8:01
